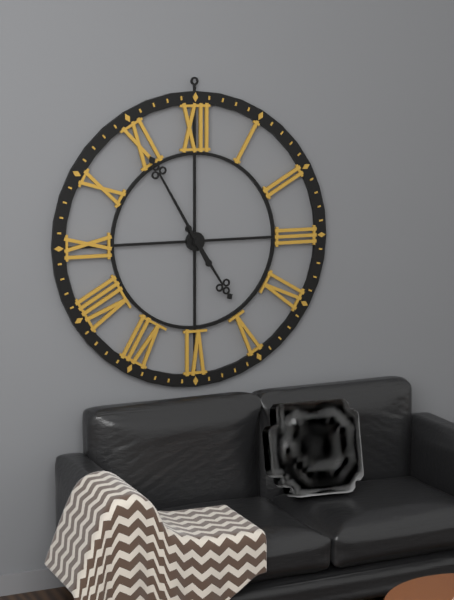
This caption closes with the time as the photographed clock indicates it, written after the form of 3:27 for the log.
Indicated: 4:55
